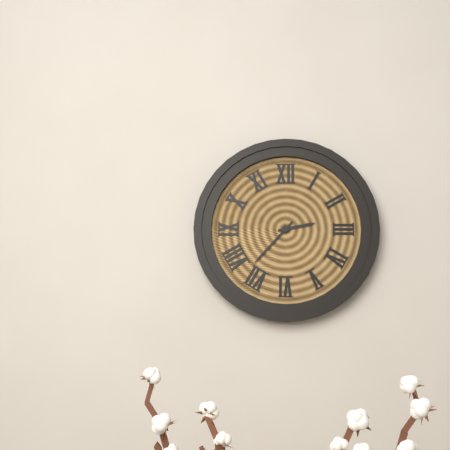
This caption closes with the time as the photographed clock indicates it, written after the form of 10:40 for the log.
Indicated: 2:37
